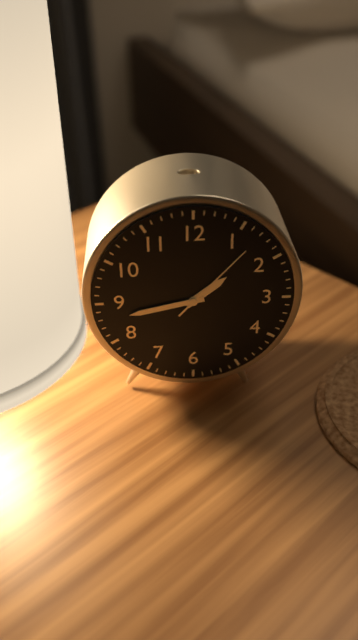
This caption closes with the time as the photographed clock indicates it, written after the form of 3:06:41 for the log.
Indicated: 1:43:07
